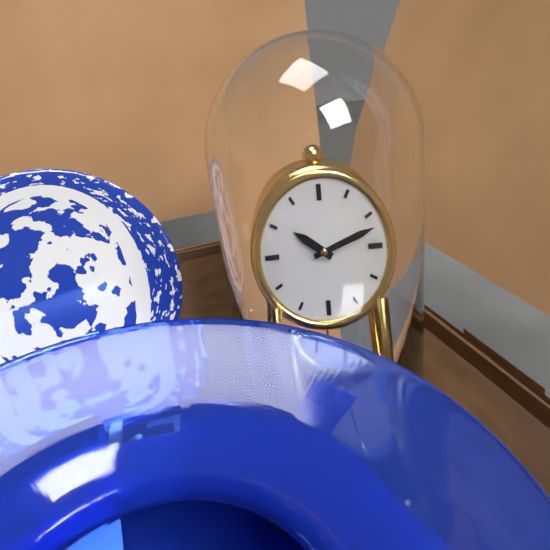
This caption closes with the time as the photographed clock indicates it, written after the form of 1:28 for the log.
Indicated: 10:12
